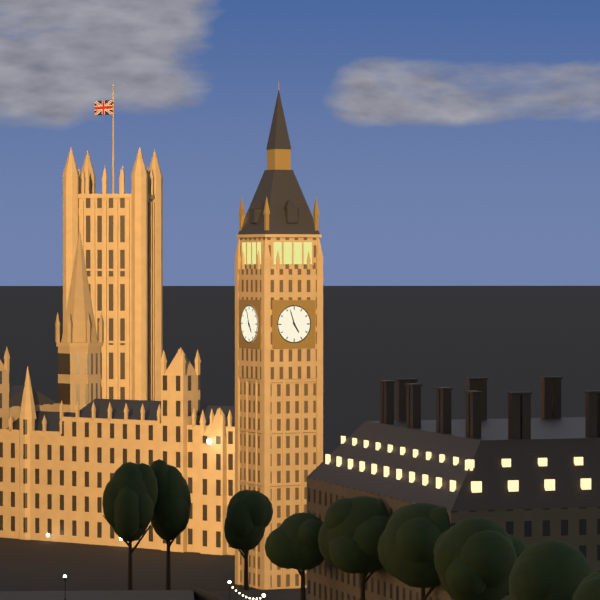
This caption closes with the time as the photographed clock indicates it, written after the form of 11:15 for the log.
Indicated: 4:57
